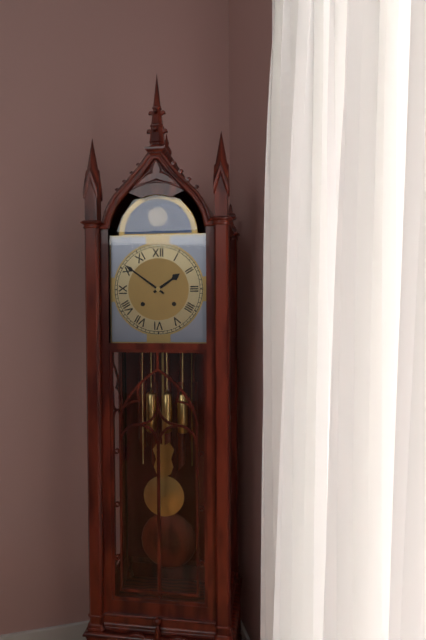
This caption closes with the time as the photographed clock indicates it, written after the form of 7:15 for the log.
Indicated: 1:51
